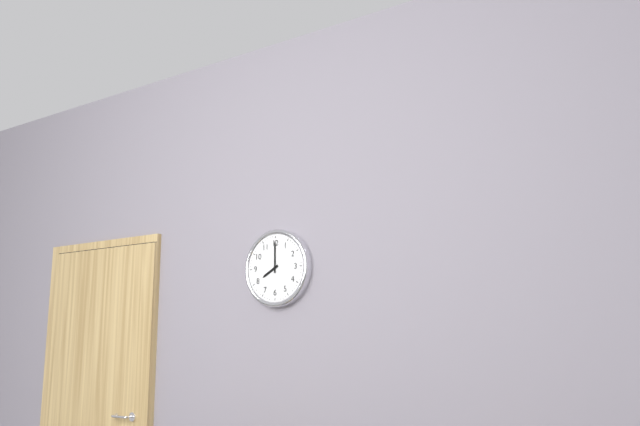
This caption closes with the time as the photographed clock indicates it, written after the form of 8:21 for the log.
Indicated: 8:00
